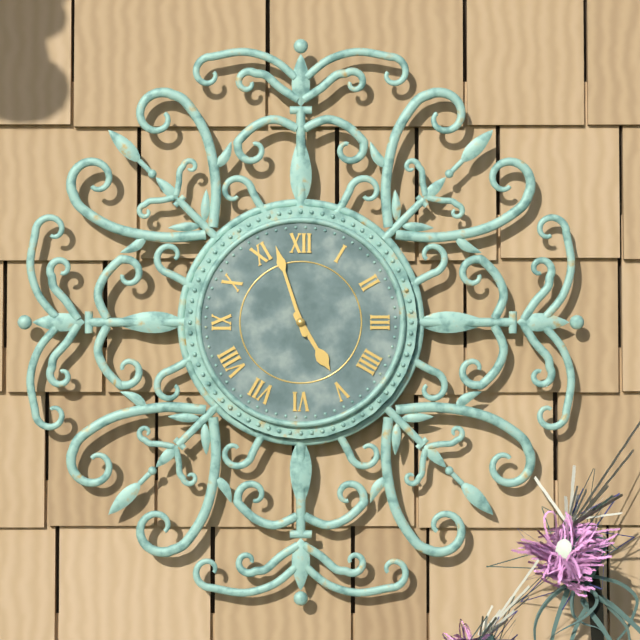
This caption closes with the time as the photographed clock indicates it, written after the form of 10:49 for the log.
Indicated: 4:57
